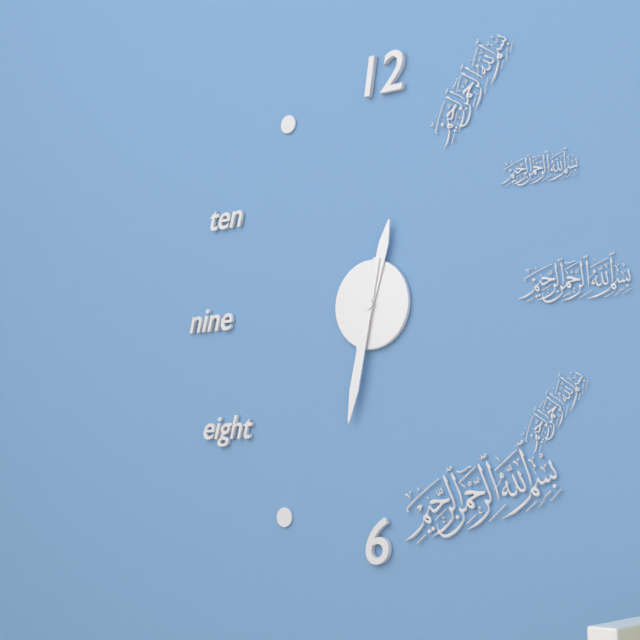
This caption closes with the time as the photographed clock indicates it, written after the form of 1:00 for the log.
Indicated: 12:32
